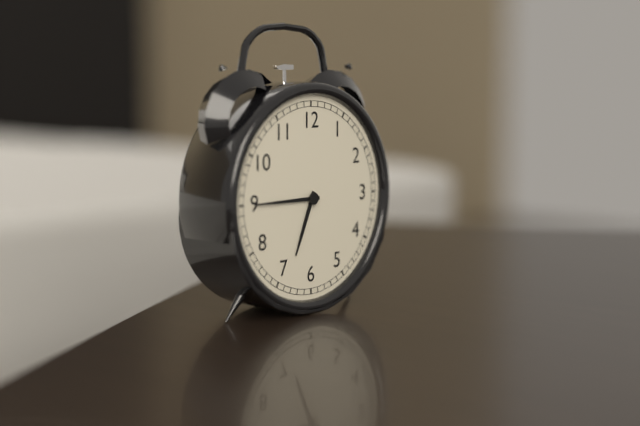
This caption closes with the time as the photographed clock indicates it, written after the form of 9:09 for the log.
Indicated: 6:45
